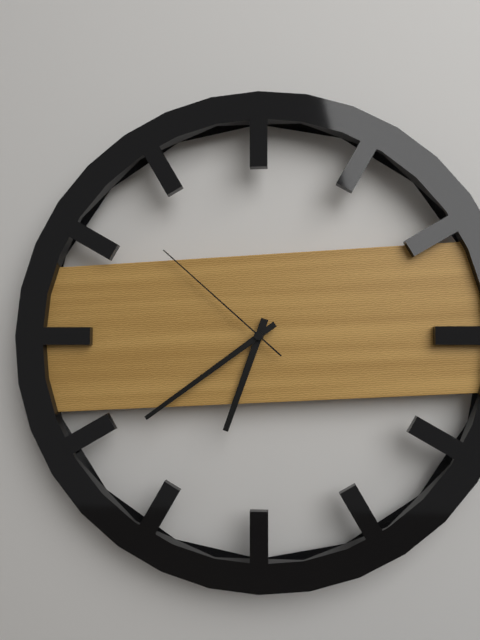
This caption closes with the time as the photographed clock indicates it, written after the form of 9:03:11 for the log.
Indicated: 6:39:52
